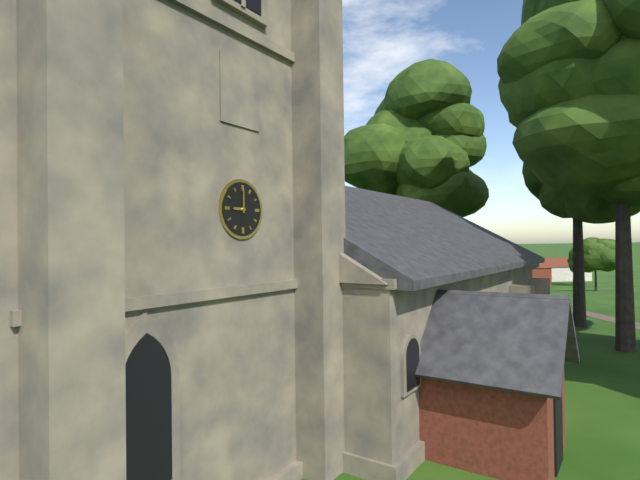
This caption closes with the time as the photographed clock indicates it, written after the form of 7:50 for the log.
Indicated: 9:00
